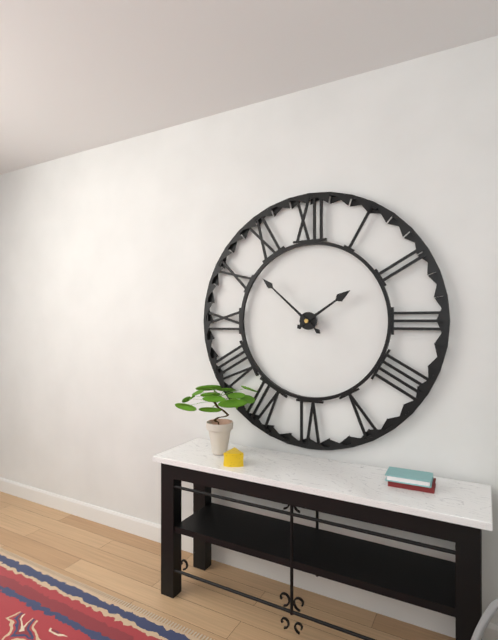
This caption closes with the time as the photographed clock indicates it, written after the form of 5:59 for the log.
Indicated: 1:52
